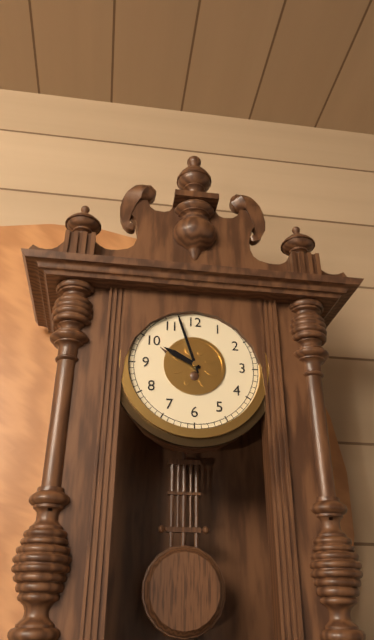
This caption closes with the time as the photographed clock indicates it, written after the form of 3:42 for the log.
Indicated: 9:57
